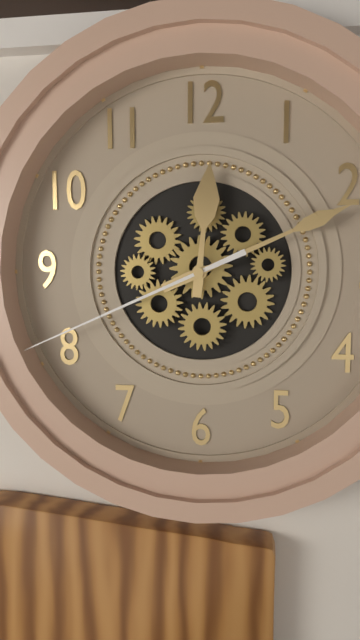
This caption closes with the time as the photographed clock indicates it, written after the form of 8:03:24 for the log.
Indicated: 12:11:41
